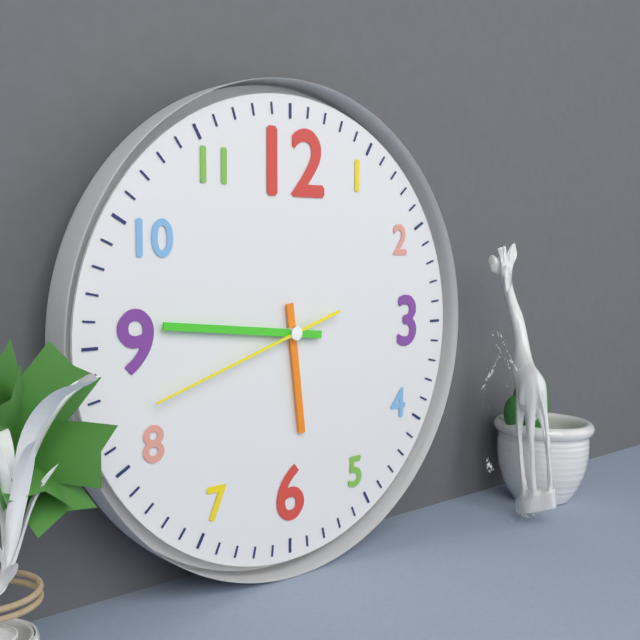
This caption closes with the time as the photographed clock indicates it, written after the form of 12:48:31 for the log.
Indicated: 5:46:42
